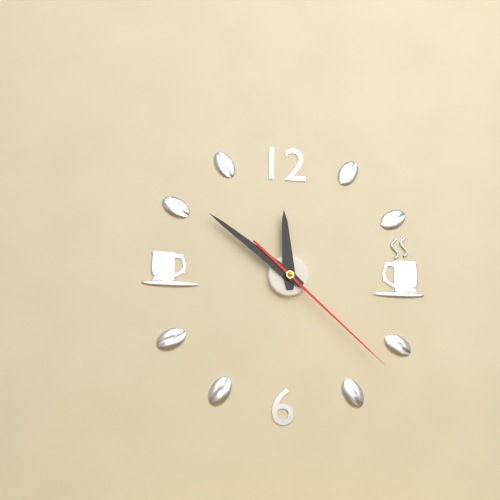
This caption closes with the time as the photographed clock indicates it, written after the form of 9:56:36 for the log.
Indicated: 11:51:22
